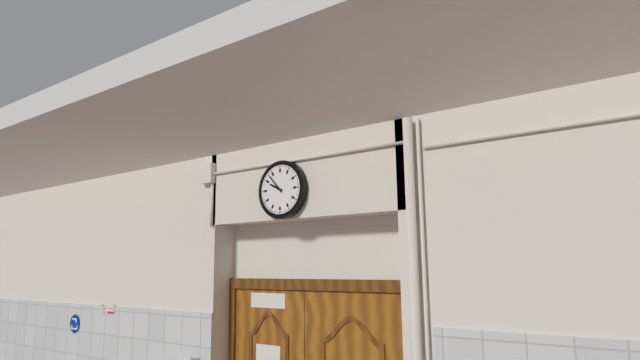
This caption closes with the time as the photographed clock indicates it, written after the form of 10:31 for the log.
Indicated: 9:53
